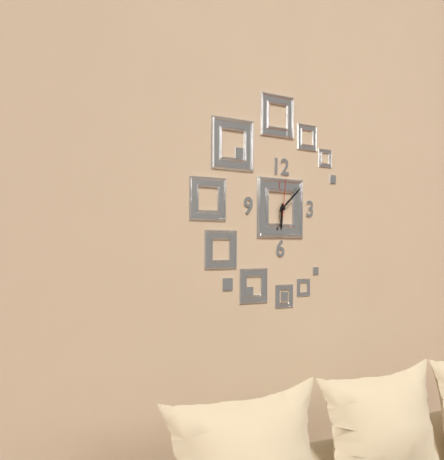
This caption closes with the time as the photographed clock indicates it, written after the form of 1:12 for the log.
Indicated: 6:08
